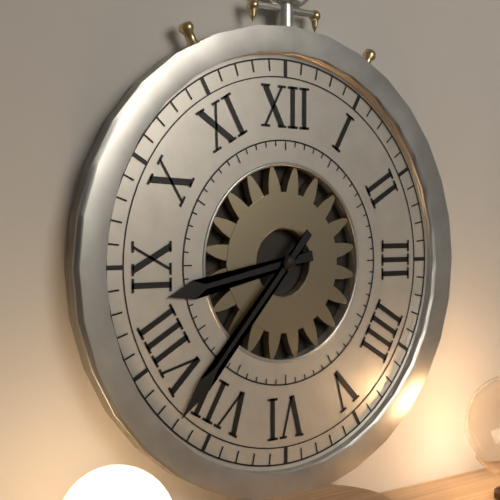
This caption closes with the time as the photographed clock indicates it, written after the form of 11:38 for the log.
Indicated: 8:37
